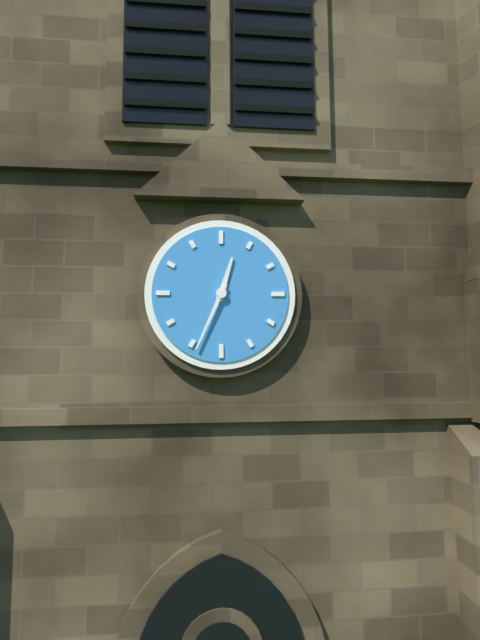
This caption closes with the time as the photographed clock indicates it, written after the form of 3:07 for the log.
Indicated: 12:34
